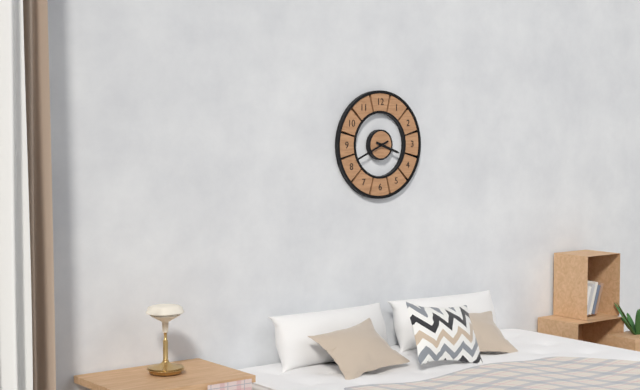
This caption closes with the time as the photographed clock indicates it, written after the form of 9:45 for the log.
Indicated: 3:41
